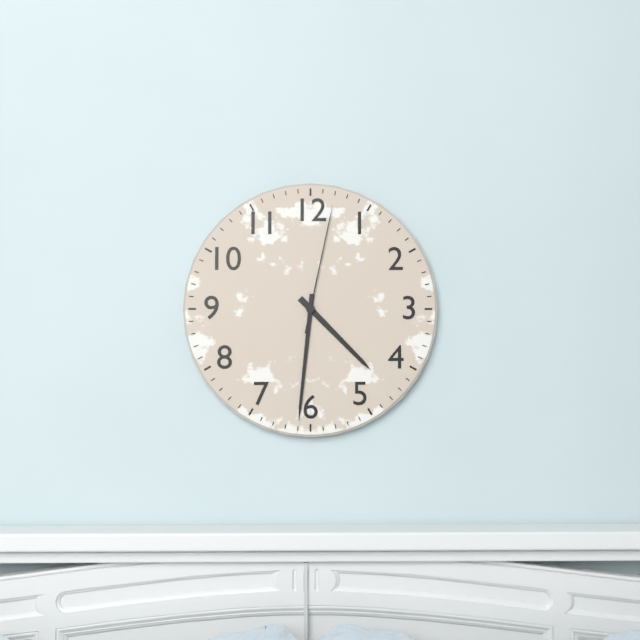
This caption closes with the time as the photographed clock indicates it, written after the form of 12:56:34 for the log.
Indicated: 4:31:02
